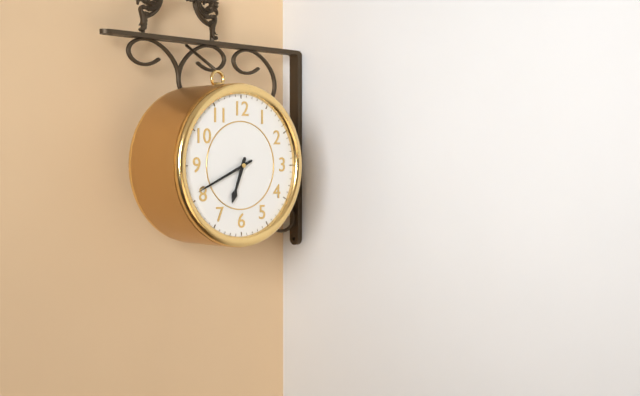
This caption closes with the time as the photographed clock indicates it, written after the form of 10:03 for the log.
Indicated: 6:41
